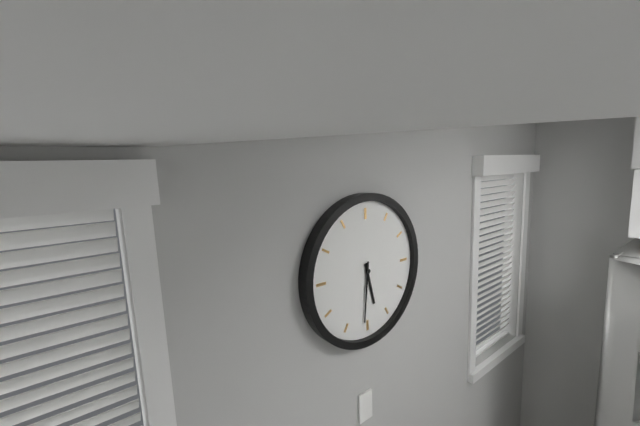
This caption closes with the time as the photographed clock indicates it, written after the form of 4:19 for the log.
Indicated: 5:31
